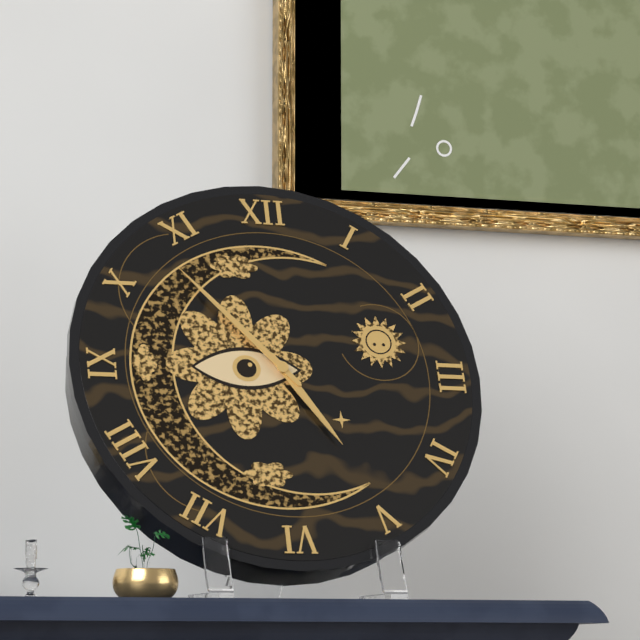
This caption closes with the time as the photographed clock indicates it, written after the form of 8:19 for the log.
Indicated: 4:53
